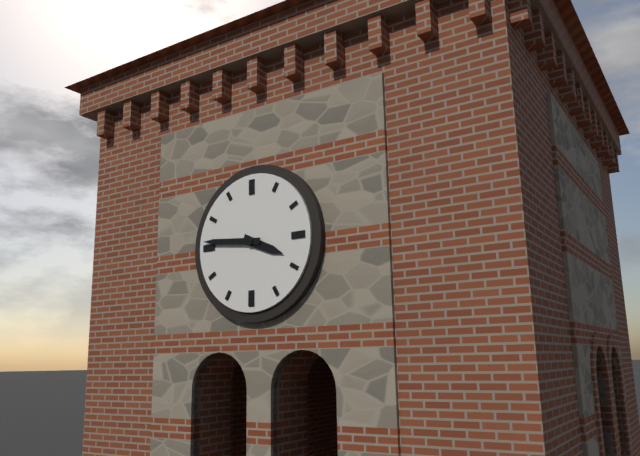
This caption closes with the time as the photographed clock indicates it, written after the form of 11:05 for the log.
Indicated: 3:46
